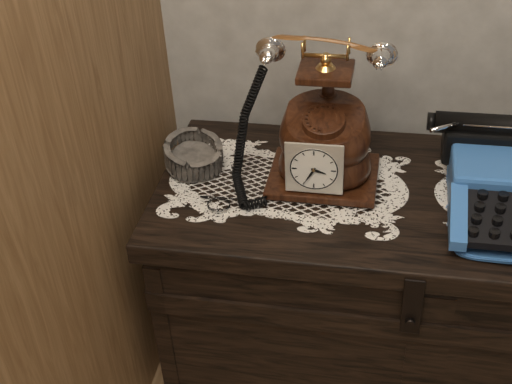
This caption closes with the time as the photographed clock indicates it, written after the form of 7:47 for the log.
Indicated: 3:35
